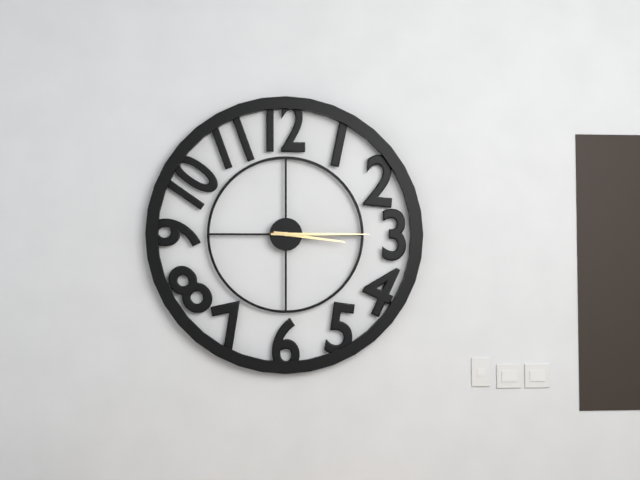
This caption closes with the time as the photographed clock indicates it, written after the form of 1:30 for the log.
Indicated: 3:15
